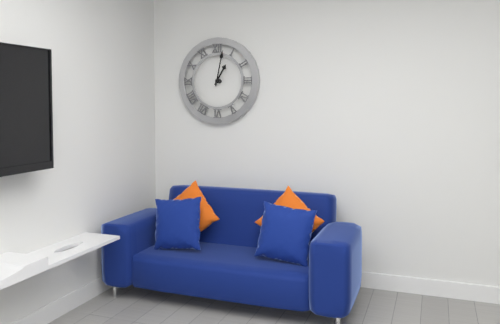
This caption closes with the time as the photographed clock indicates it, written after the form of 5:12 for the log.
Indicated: 1:02
